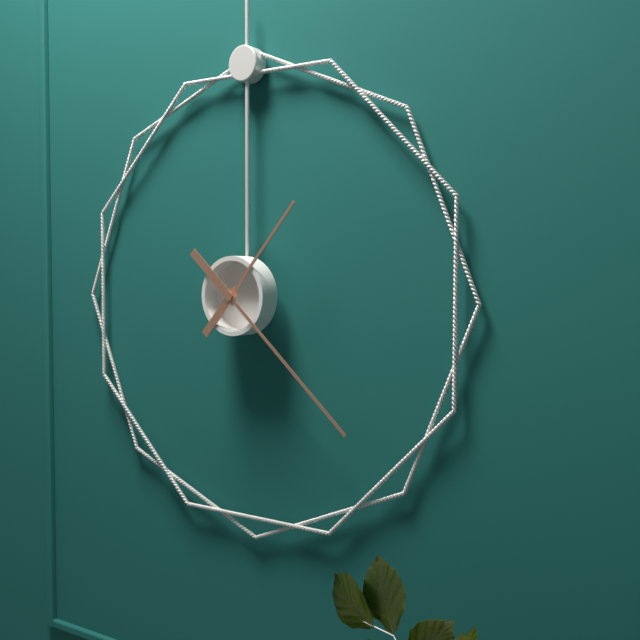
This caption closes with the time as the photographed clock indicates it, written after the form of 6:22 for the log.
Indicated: 1:22
